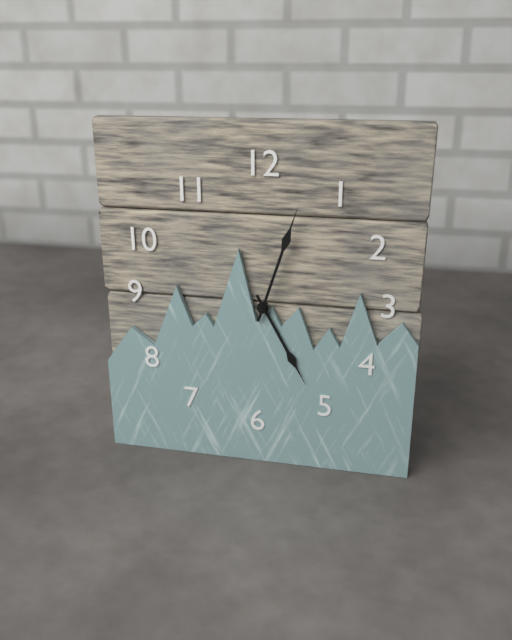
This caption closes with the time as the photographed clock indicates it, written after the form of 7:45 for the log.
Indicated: 5:03
